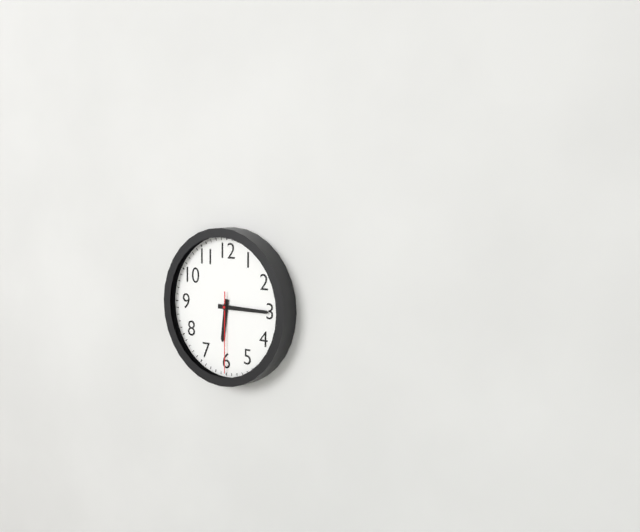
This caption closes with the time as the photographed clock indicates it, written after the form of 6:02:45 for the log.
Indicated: 6:15:30
